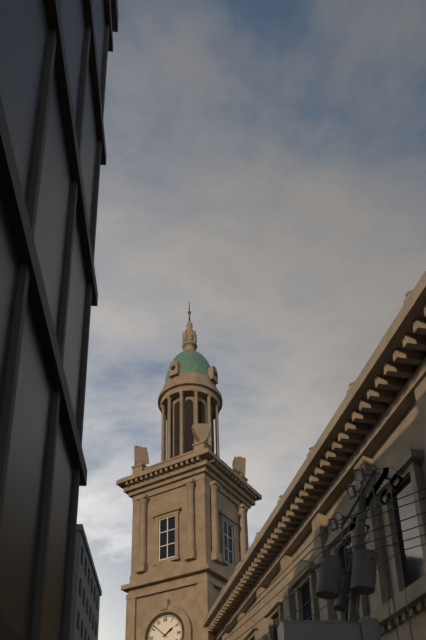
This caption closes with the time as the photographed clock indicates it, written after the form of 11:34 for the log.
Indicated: 1:52
